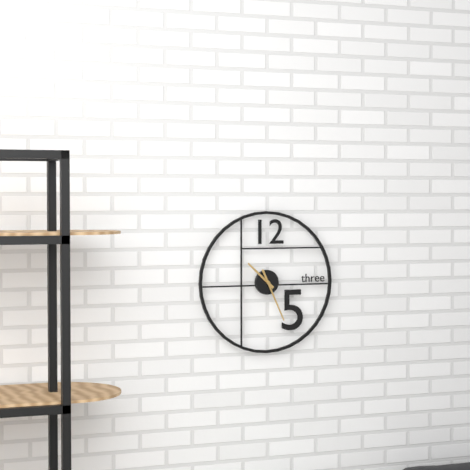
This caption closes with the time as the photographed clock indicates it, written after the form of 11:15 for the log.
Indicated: 10:26
